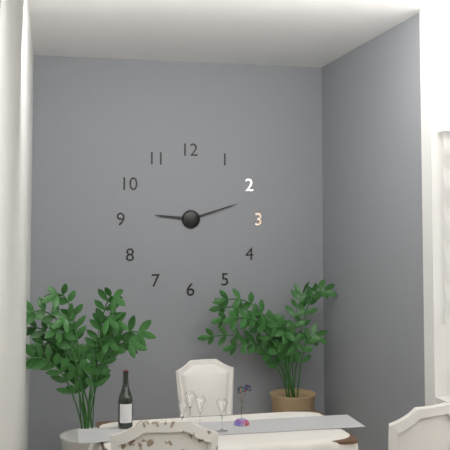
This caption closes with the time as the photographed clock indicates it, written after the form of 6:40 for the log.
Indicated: 9:12
